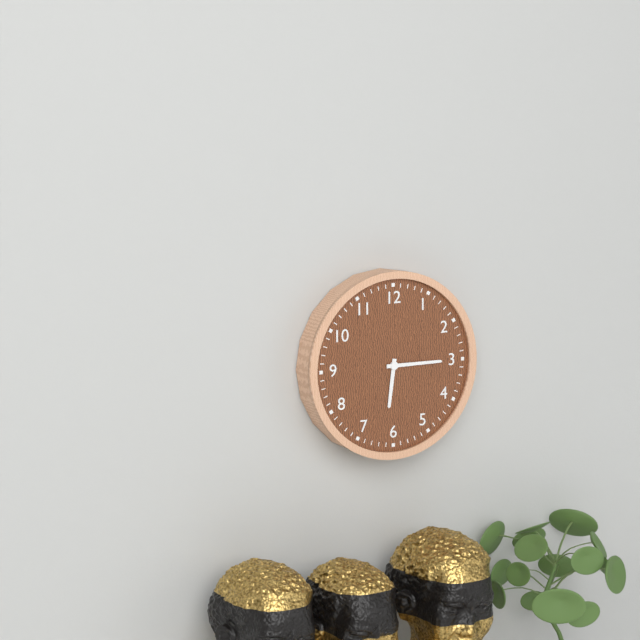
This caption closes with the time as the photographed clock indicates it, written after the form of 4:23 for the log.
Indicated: 6:15
